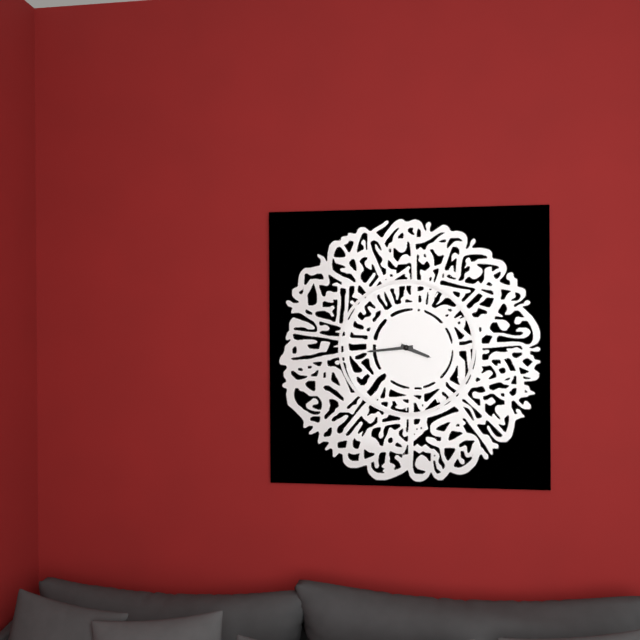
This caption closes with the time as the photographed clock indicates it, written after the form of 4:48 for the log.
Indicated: 3:44
